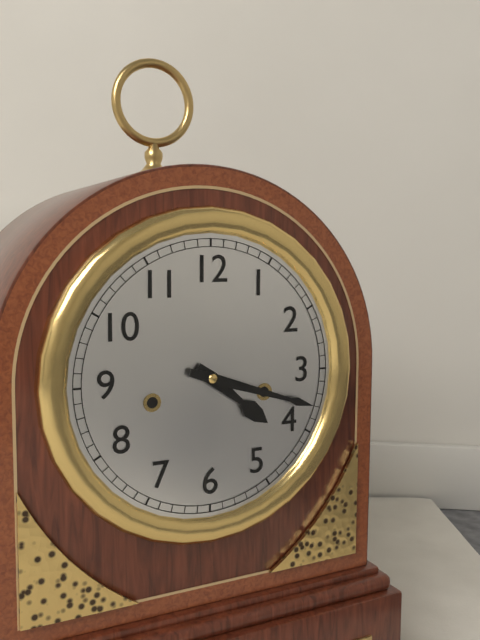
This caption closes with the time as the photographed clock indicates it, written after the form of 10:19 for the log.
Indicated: 4:18
